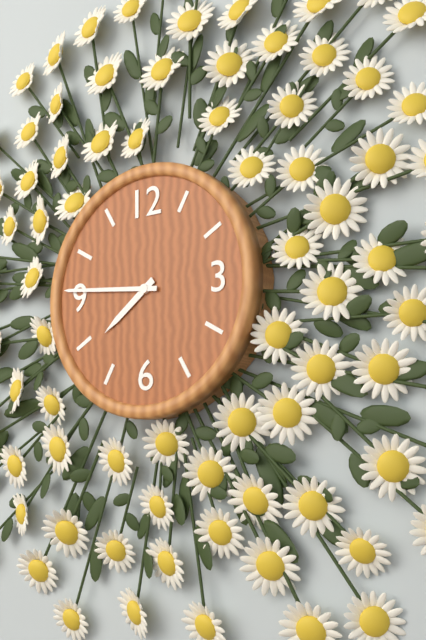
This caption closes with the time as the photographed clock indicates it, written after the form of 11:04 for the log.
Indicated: 7:46
